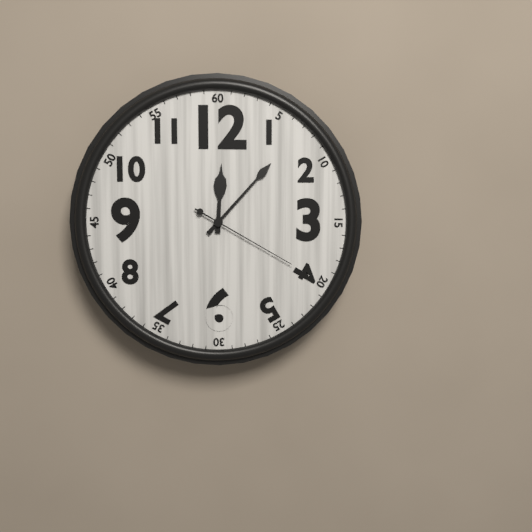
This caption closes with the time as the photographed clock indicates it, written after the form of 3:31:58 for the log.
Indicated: 12:07:20
